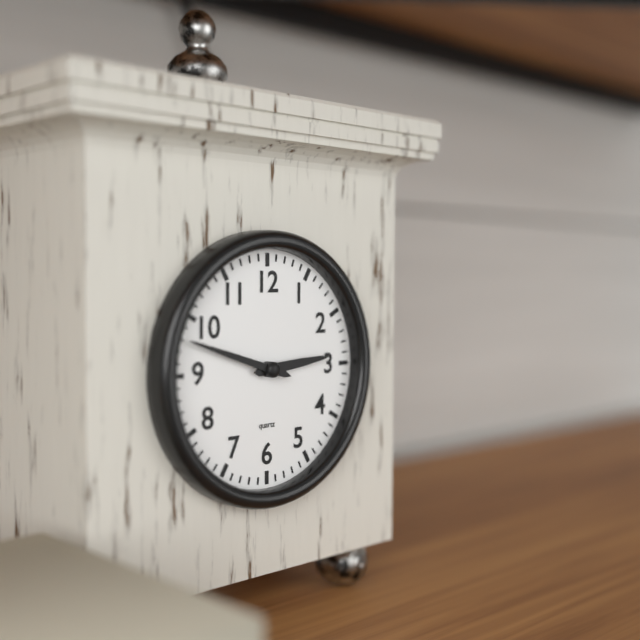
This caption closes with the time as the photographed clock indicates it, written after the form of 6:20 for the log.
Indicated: 2:48
